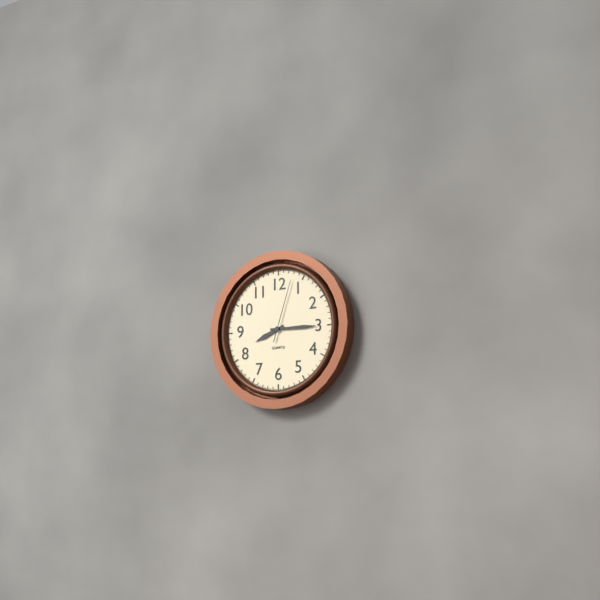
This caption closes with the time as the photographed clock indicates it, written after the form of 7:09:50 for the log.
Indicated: 8:15:03
